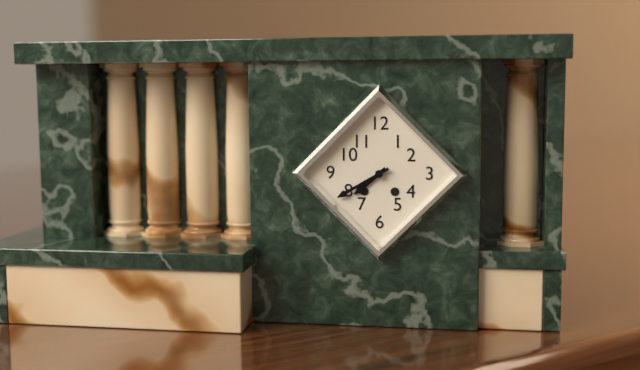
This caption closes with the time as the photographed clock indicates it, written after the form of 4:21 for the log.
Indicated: 7:40
